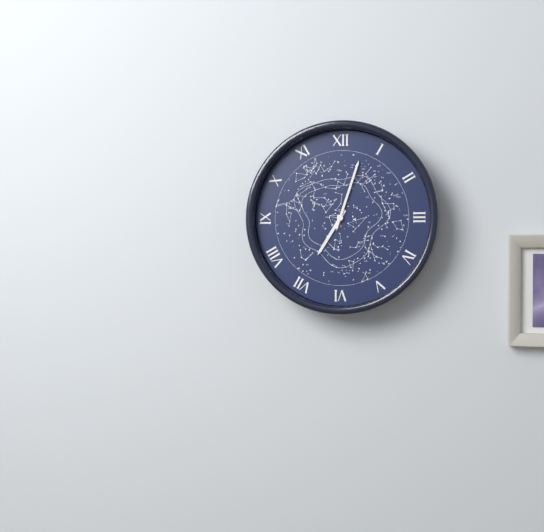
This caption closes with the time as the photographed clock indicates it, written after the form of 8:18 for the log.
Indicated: 7:03
